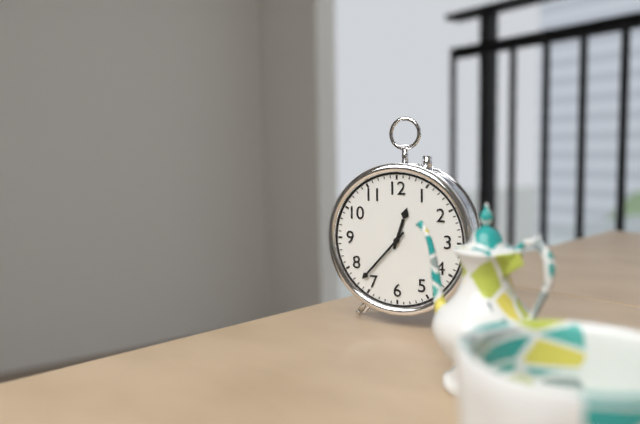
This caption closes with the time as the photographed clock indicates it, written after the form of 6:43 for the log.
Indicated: 12:37
